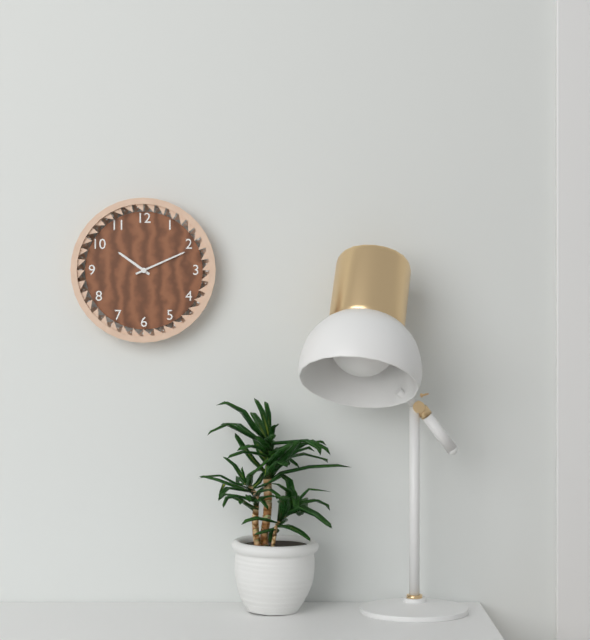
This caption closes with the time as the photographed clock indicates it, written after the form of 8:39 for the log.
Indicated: 10:11
